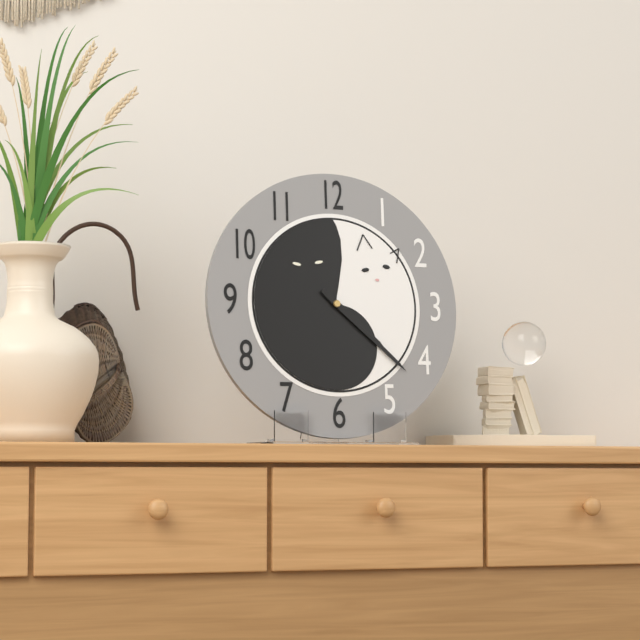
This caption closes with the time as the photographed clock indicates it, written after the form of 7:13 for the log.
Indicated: 4:22
